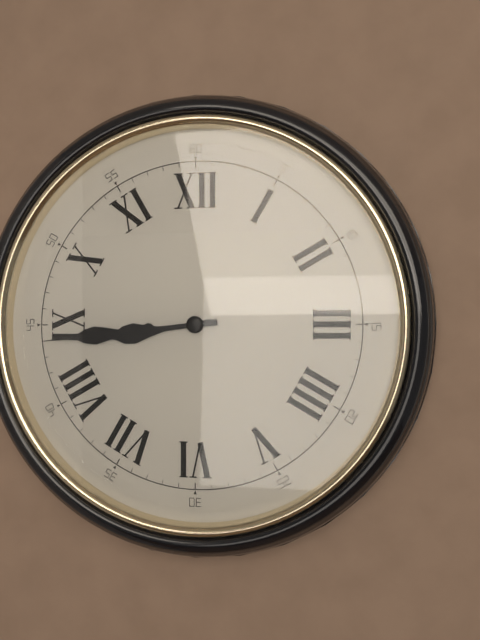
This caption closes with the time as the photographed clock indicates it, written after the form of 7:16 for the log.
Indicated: 8:44
